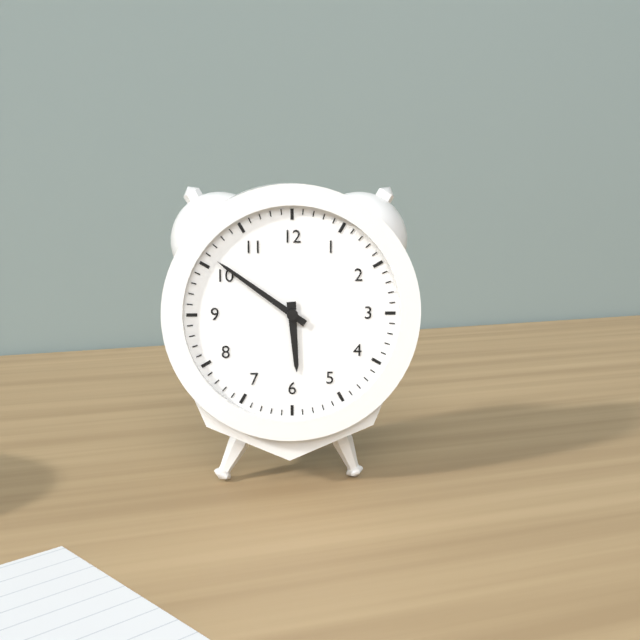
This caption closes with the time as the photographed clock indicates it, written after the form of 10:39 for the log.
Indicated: 5:51
